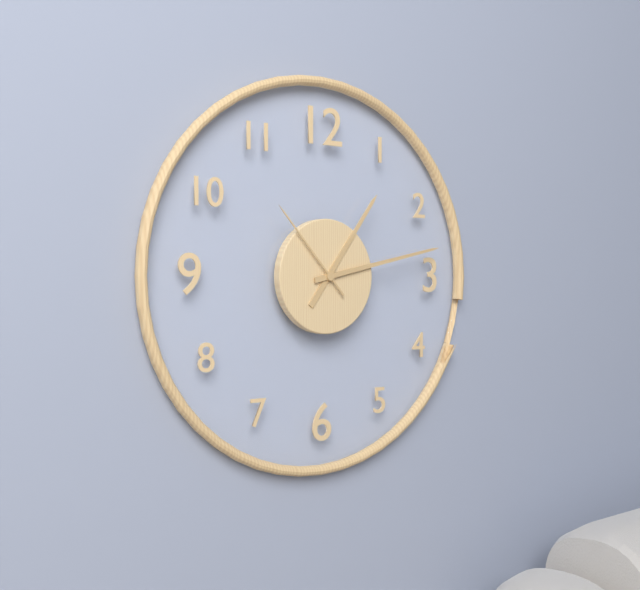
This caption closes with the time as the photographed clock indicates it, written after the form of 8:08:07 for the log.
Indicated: 1:13:53
